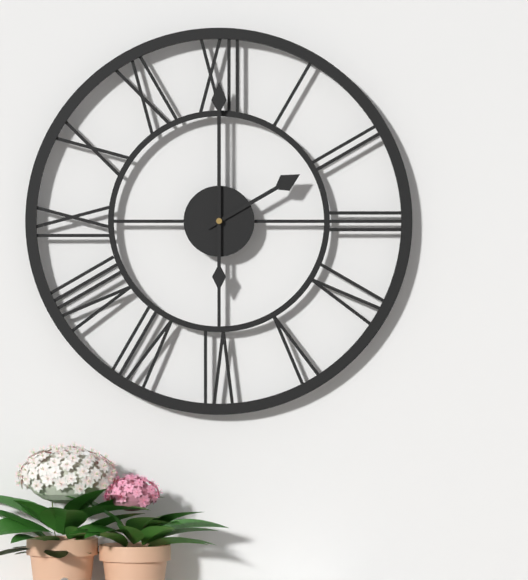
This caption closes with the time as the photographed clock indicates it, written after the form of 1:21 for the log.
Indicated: 2:00
